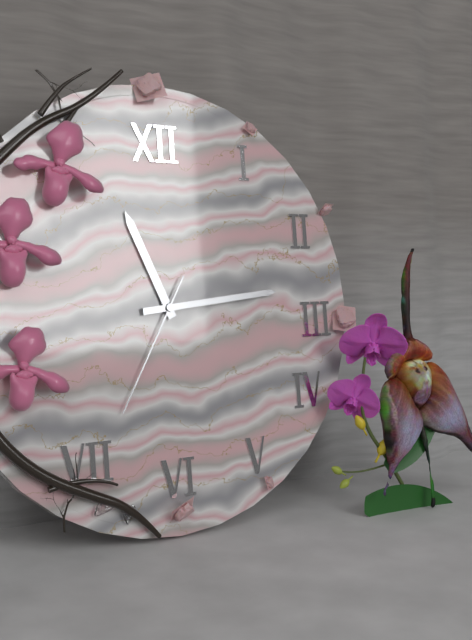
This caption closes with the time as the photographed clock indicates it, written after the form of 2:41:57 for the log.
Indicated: 11:14:35
